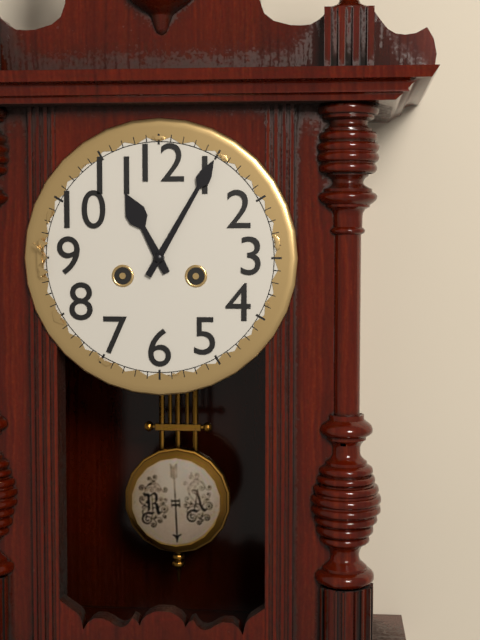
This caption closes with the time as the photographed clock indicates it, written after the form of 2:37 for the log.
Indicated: 11:05
